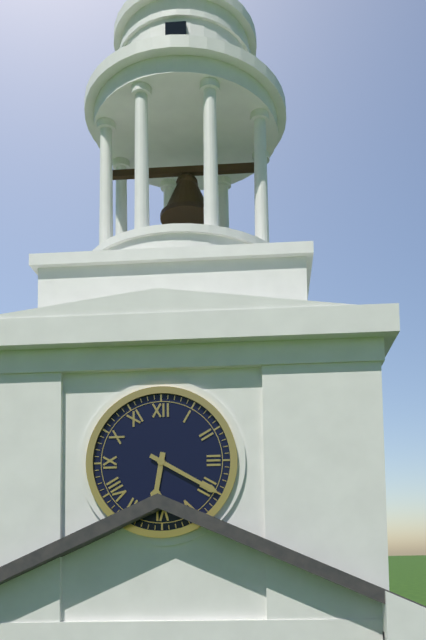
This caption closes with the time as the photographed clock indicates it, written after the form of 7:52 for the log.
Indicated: 6:20
